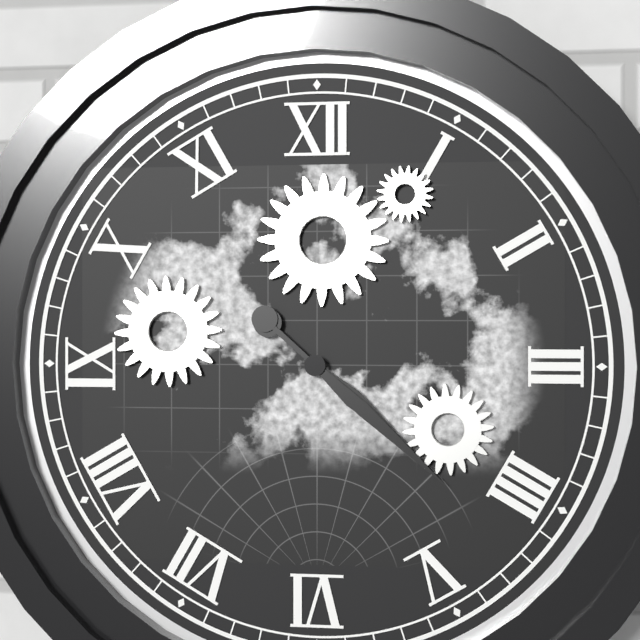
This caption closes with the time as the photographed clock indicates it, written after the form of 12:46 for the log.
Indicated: 4:22
